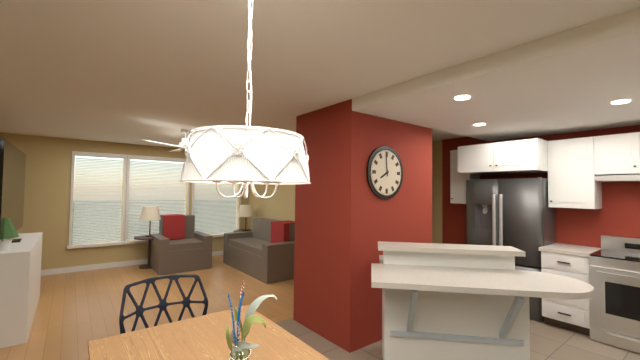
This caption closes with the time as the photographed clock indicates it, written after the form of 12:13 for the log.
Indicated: 7:59
